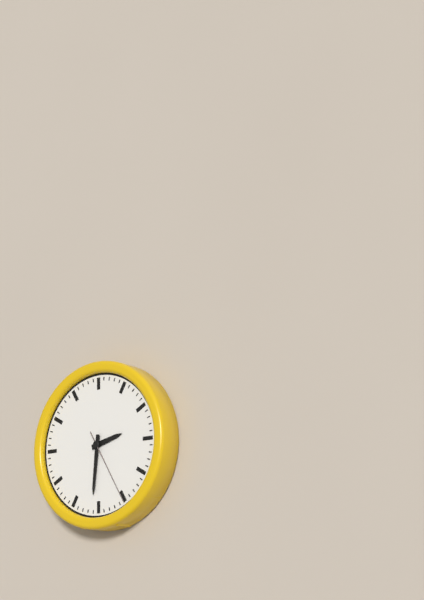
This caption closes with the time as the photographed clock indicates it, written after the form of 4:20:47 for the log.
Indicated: 2:31:25
